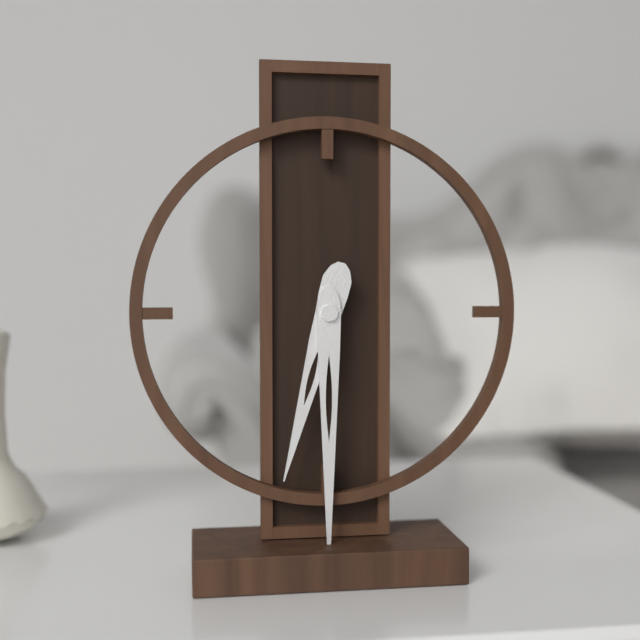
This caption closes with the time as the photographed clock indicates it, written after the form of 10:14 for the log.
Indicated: 6:30
